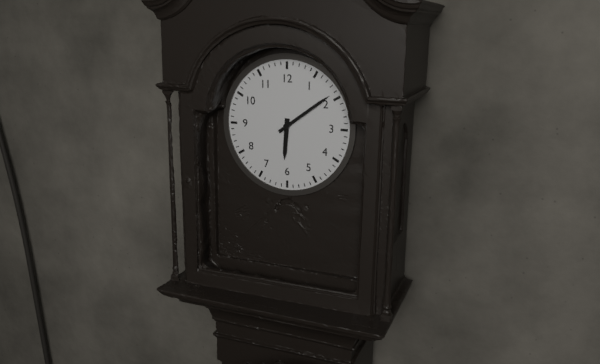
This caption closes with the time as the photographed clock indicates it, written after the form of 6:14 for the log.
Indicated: 6:09
